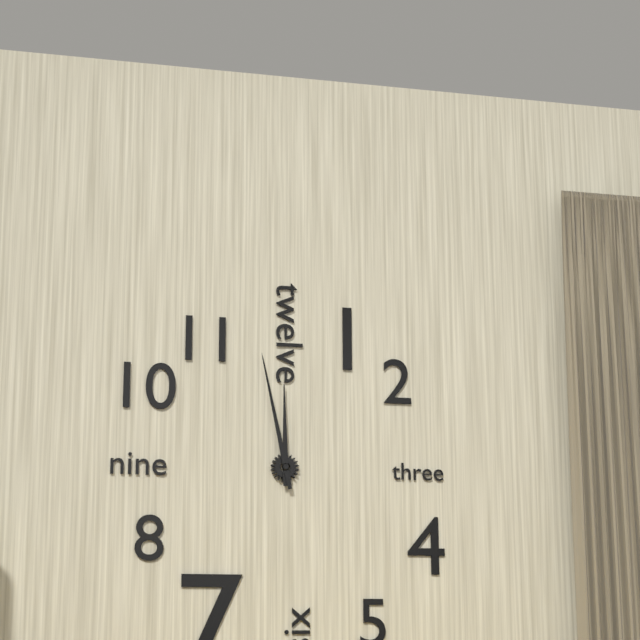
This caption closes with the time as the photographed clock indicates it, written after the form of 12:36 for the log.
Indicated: 11:58
